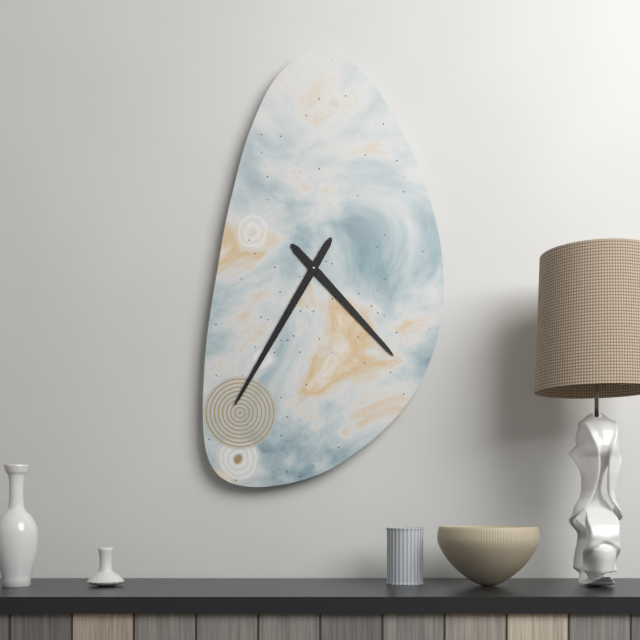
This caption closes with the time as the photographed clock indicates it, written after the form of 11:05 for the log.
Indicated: 4:35
